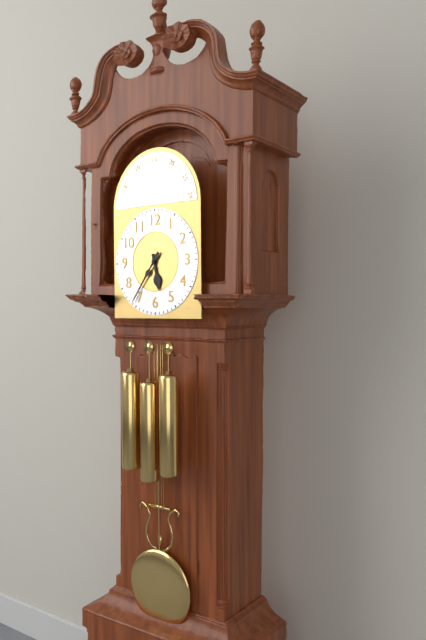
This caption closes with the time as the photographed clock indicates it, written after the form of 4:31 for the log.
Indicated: 5:36
